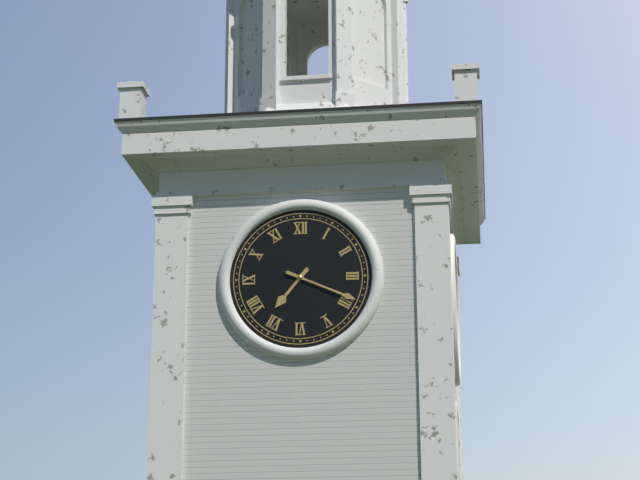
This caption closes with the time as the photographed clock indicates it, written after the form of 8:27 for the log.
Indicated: 7:19
